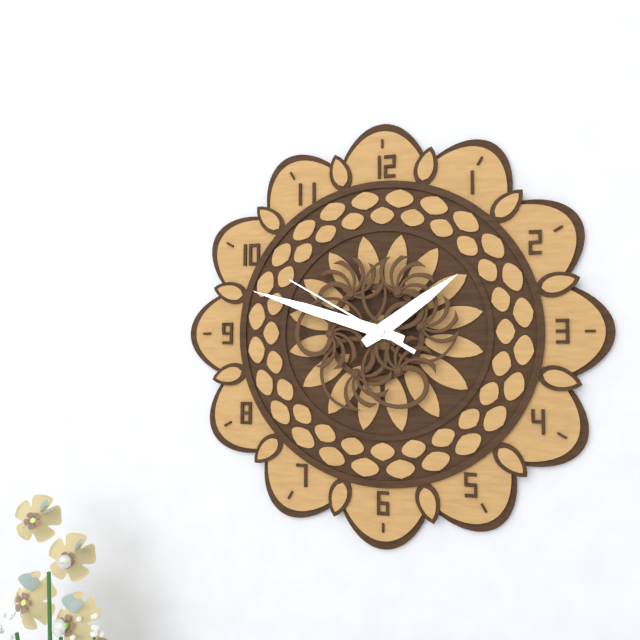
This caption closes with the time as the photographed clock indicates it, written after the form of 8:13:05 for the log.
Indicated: 1:48:50
